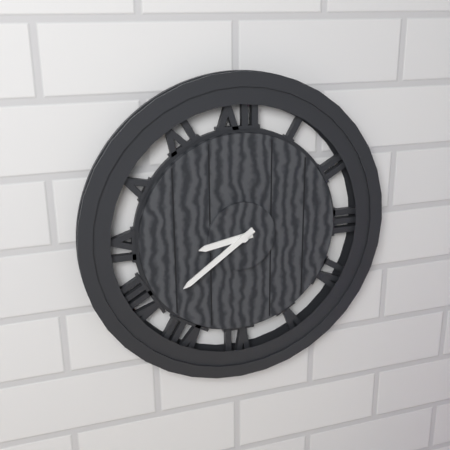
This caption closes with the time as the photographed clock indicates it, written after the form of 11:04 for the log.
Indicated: 8:39
